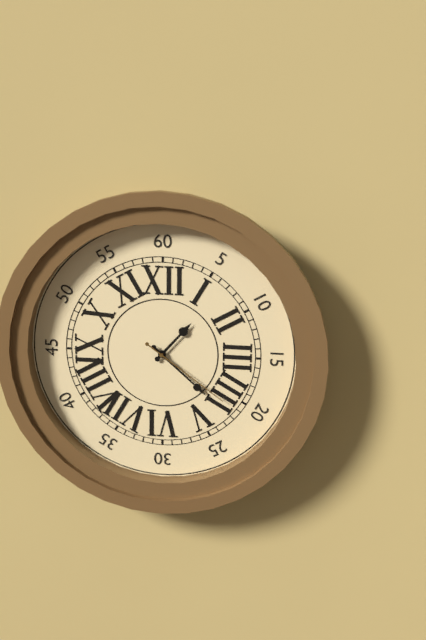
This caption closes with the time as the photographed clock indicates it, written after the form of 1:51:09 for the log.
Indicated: 1:22:21
